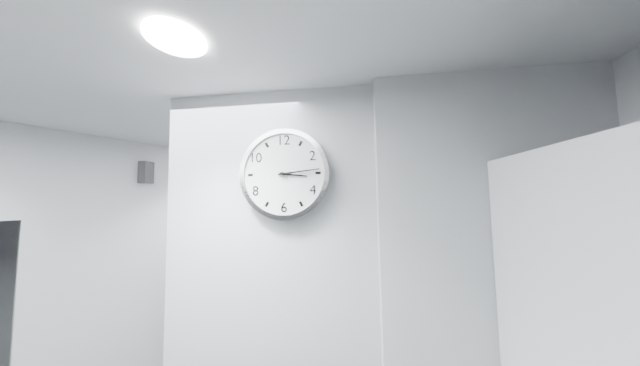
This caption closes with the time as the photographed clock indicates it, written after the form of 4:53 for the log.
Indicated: 3:14
